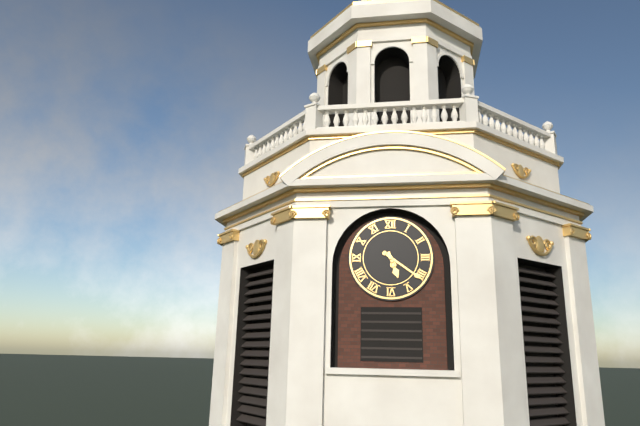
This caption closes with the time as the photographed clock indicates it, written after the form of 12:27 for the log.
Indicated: 5:21
